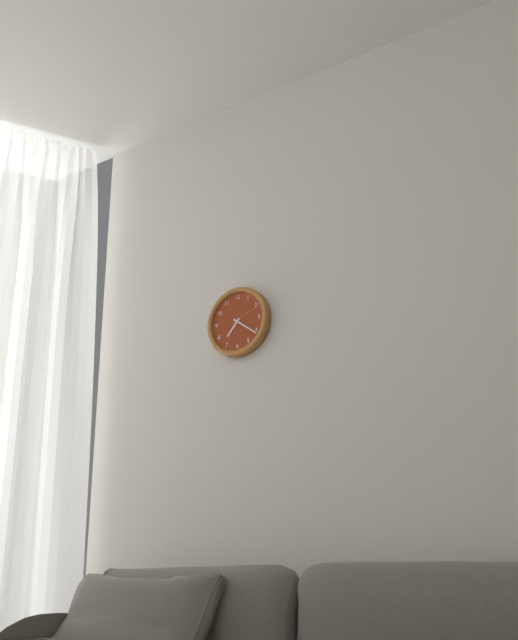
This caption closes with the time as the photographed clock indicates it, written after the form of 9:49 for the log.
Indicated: 7:21
